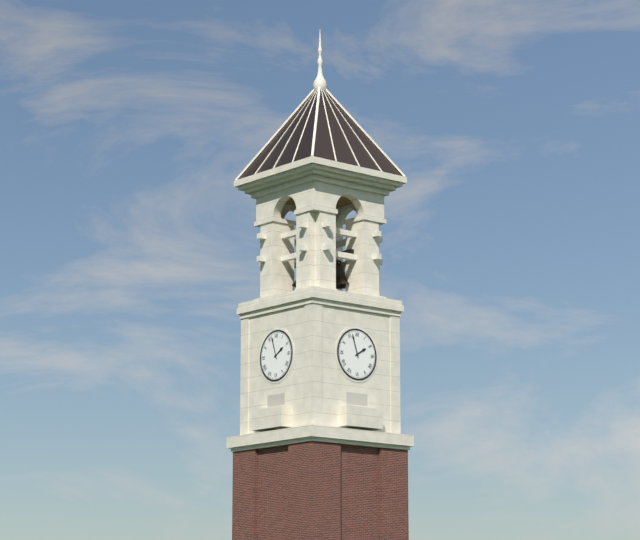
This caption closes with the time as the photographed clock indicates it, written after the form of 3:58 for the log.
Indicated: 1:57
